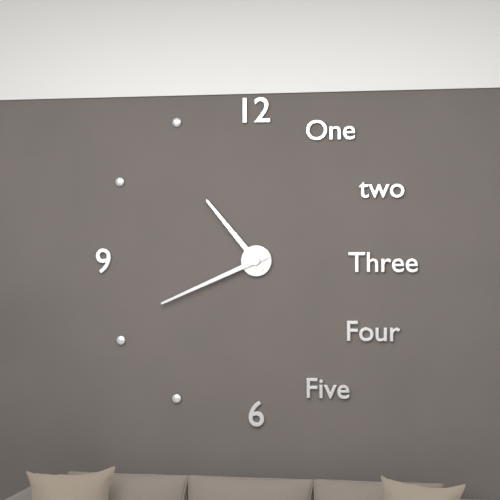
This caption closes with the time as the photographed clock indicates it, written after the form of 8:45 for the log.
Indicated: 10:41
